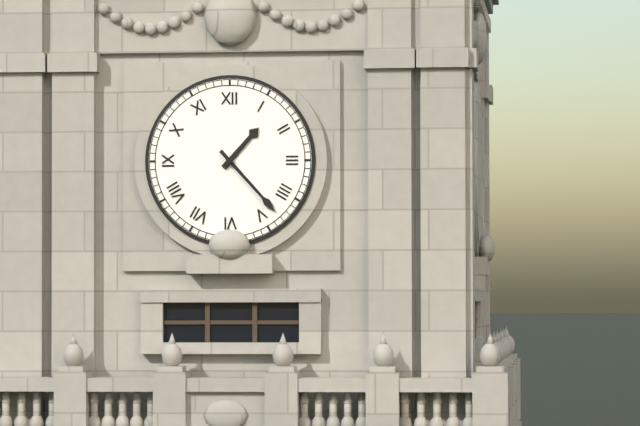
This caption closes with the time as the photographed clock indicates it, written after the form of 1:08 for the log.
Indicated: 1:23
